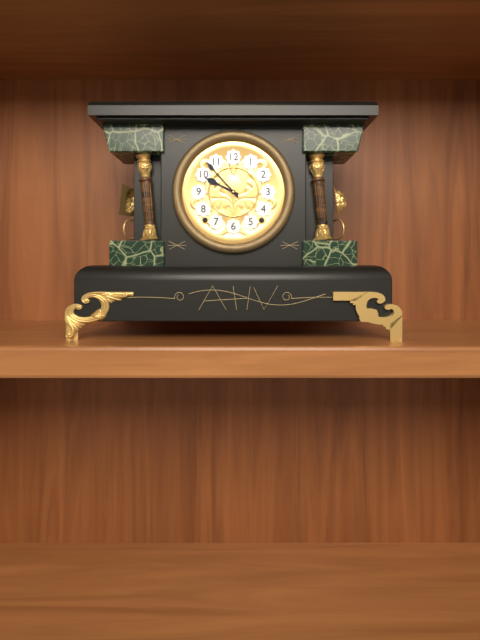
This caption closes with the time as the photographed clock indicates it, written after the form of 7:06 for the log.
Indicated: 9:53
